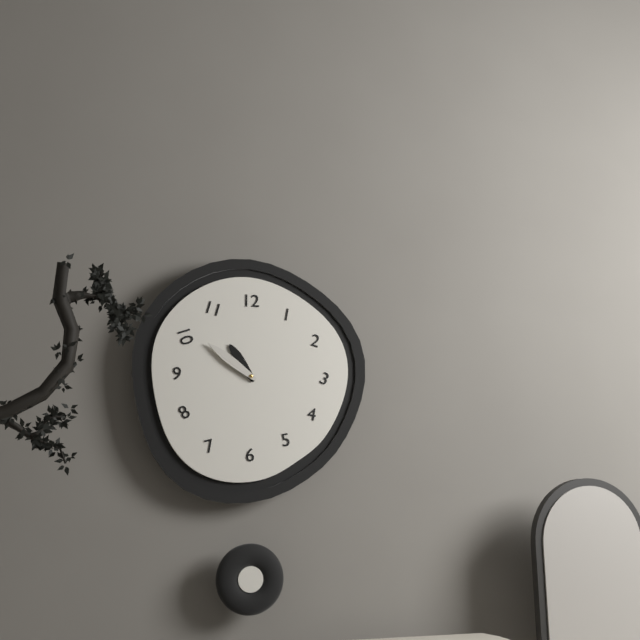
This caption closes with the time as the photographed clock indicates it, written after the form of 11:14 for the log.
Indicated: 10:51
